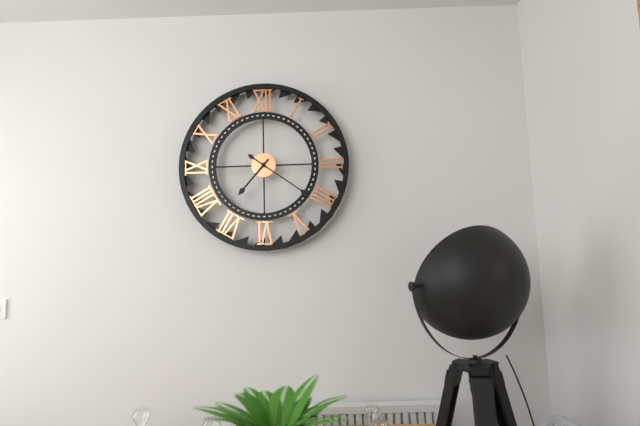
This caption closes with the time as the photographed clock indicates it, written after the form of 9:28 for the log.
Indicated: 7:21
